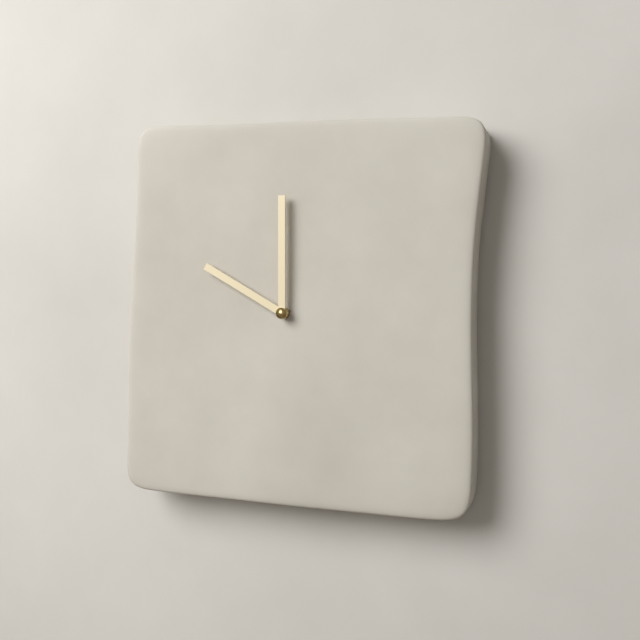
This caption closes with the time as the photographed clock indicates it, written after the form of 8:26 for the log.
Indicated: 10:00
